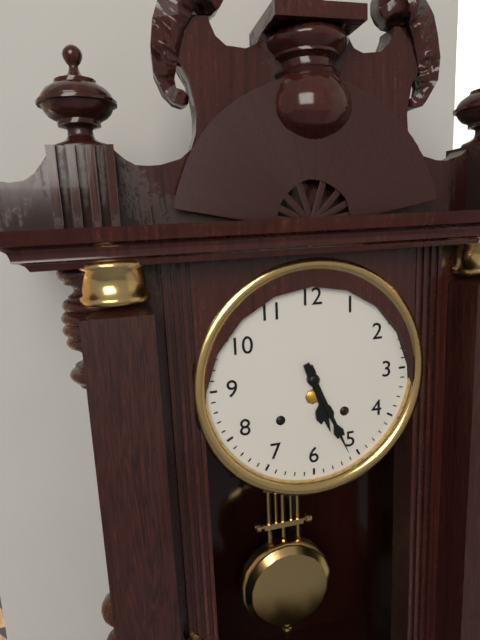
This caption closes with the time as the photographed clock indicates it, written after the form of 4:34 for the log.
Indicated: 5:26
